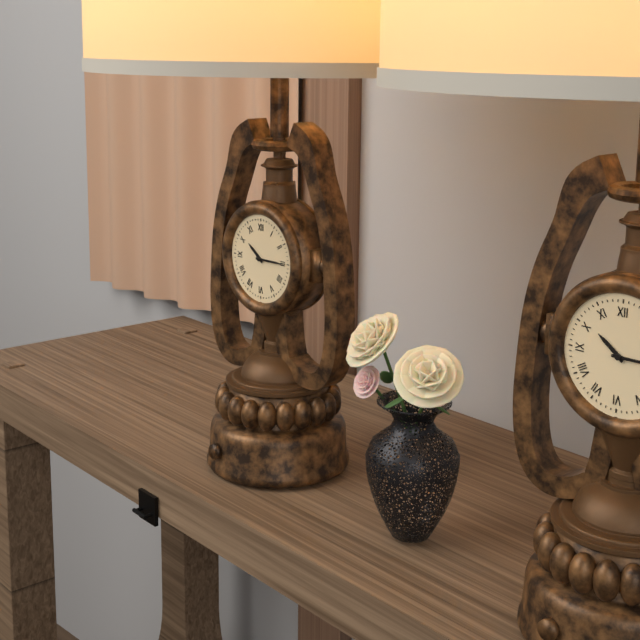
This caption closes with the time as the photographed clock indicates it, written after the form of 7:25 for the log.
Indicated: 10:15
